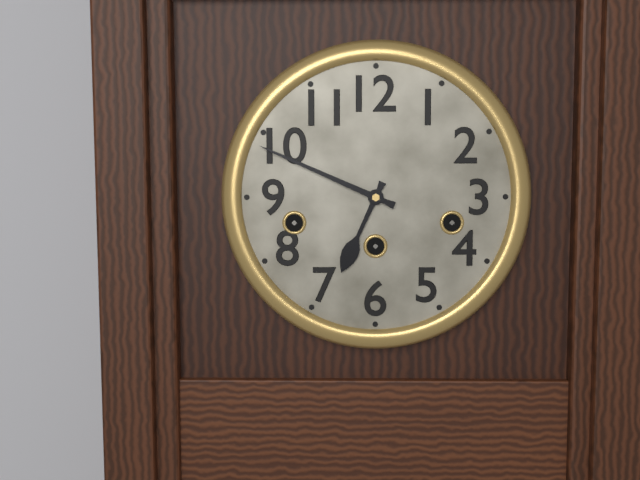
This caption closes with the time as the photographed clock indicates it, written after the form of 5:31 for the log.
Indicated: 6:49
